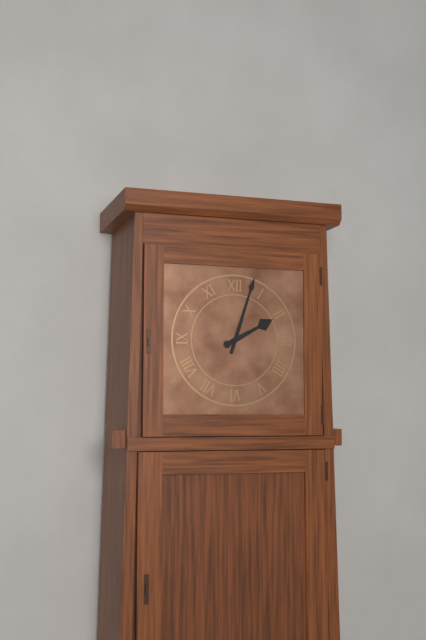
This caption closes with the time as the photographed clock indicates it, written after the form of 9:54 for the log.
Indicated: 2:03
